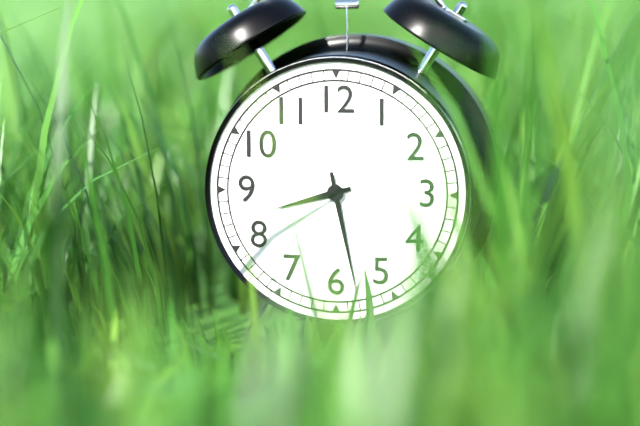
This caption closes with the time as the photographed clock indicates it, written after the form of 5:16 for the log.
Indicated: 8:28
